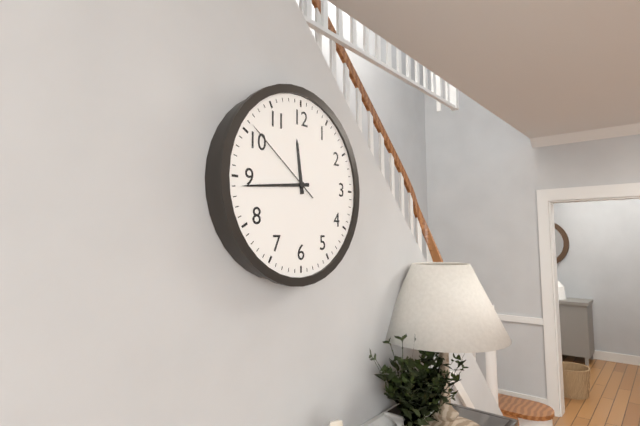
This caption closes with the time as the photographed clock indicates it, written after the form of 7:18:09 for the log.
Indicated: 11:44:51
